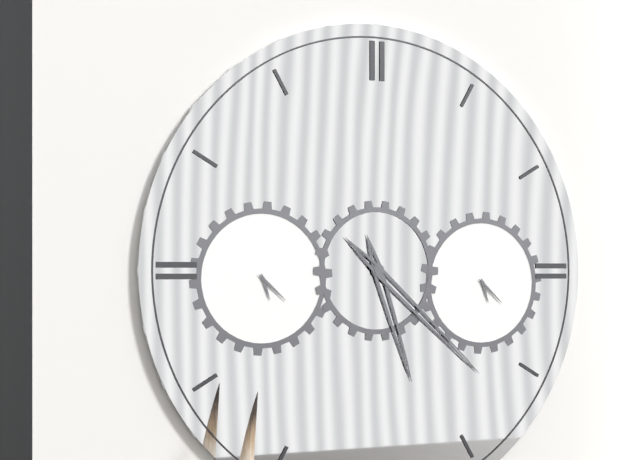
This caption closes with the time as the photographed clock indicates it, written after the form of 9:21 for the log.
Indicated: 5:22
